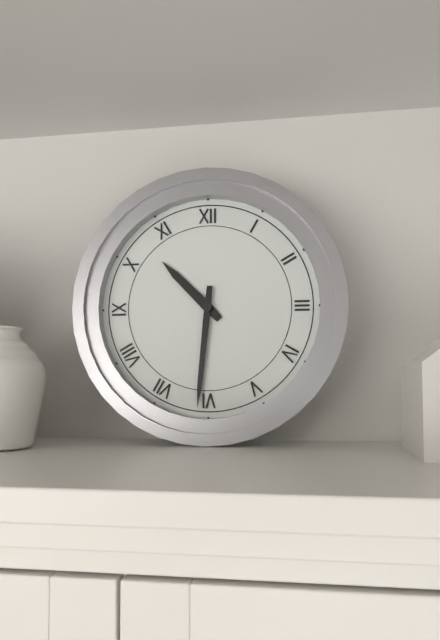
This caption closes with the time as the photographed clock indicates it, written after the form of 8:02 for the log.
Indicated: 10:31
